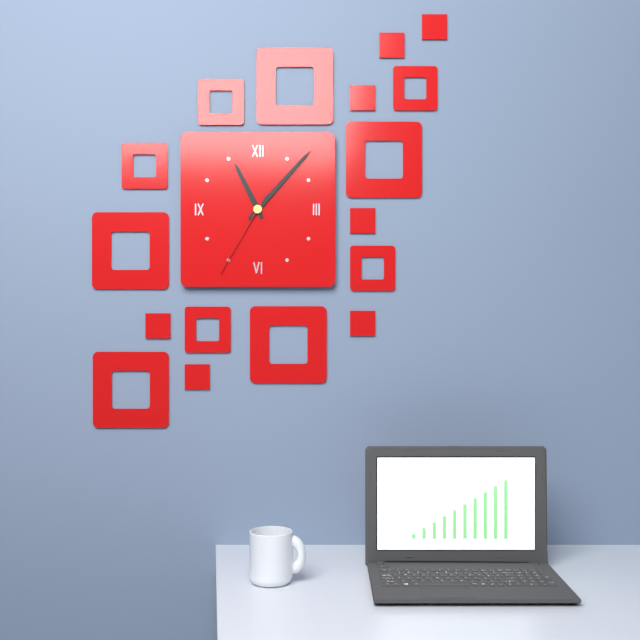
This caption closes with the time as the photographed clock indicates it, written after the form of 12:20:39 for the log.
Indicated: 11:07:35
